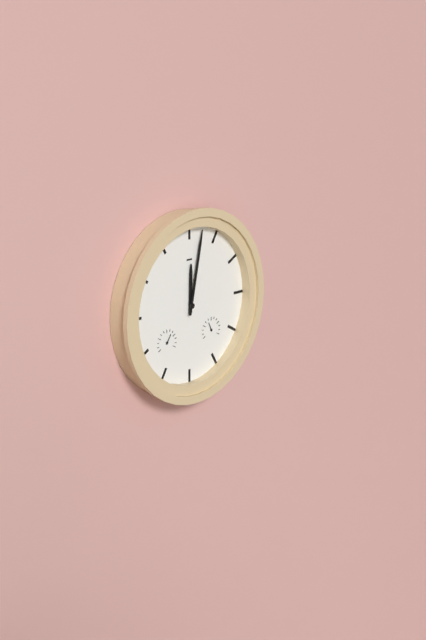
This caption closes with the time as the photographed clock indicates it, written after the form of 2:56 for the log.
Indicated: 12:02
